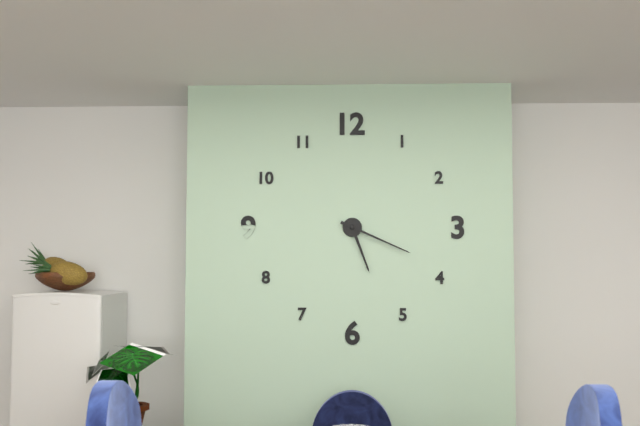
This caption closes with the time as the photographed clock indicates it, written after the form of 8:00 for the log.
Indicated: 5:19
